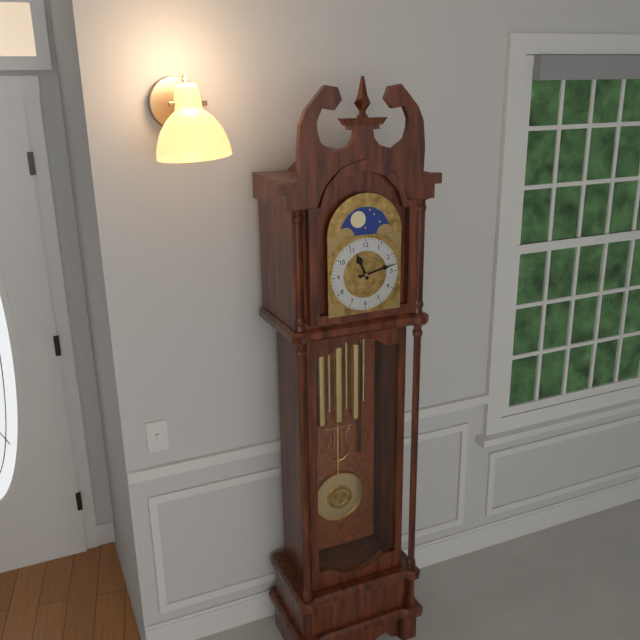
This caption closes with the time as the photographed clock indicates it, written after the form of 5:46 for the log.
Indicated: 11:13
